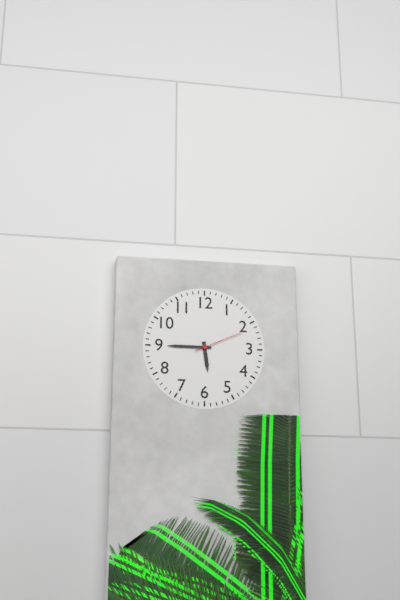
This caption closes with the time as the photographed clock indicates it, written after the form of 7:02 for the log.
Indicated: 5:45
